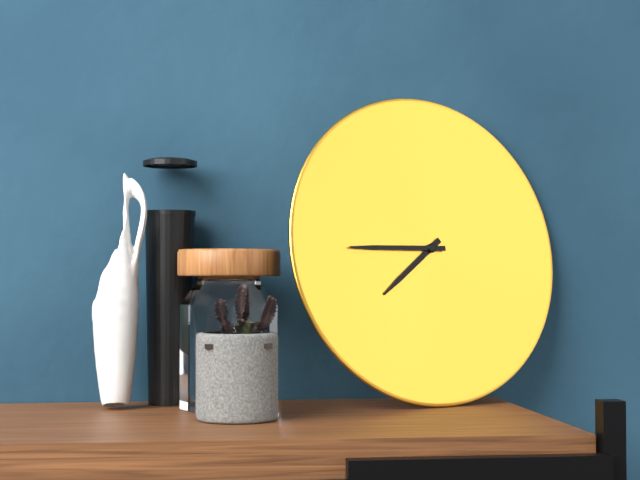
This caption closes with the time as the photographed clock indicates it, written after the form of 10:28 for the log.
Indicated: 7:45
